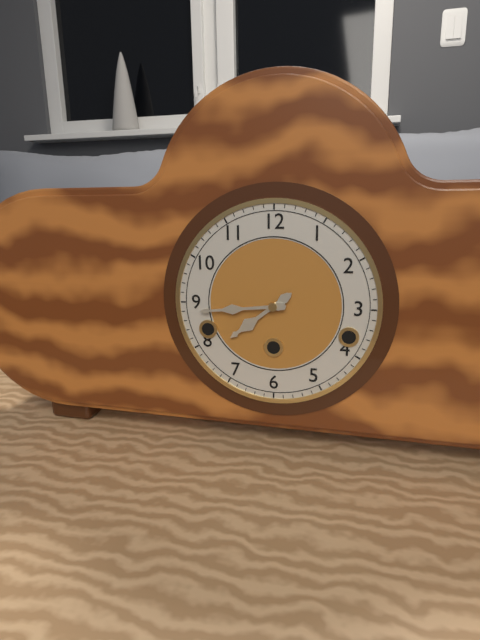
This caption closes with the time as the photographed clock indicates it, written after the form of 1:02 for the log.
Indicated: 7:44
